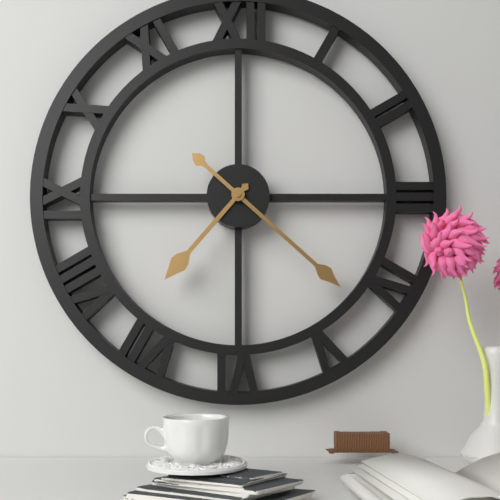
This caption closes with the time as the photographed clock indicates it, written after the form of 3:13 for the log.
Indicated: 7:22
